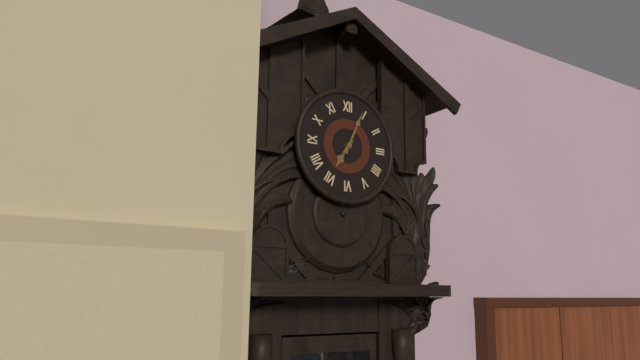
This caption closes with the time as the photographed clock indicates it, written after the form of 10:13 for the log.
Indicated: 7:04
